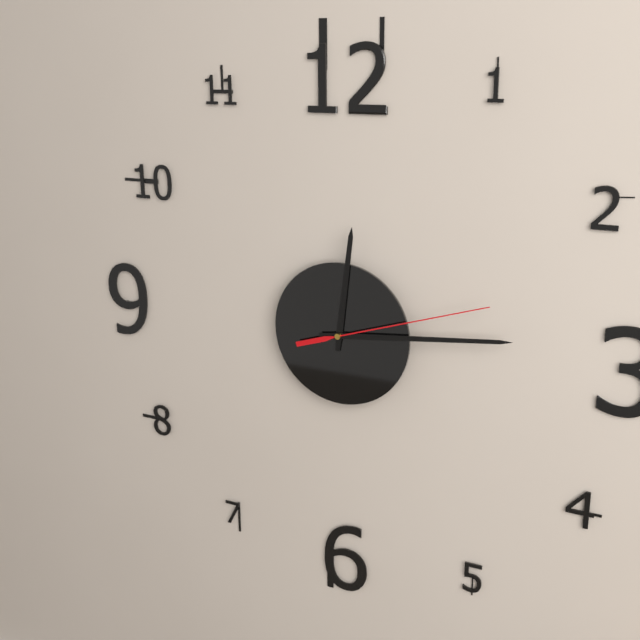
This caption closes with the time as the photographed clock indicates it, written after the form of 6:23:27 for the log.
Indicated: 12:14:12
